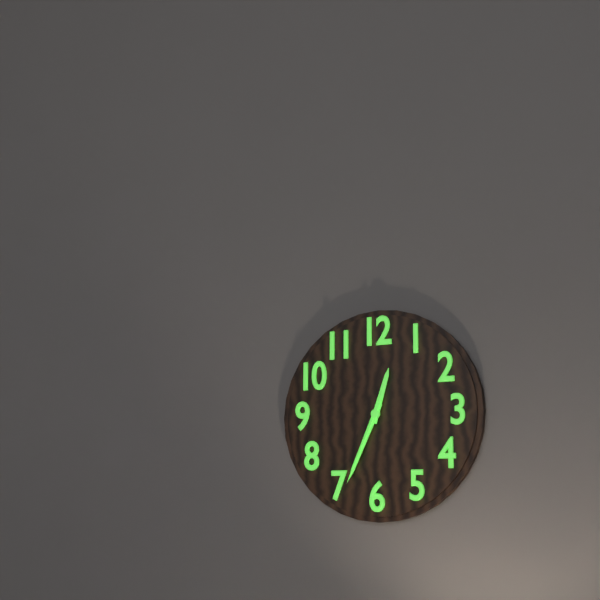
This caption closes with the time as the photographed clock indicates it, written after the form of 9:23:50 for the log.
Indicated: 12:34:34
